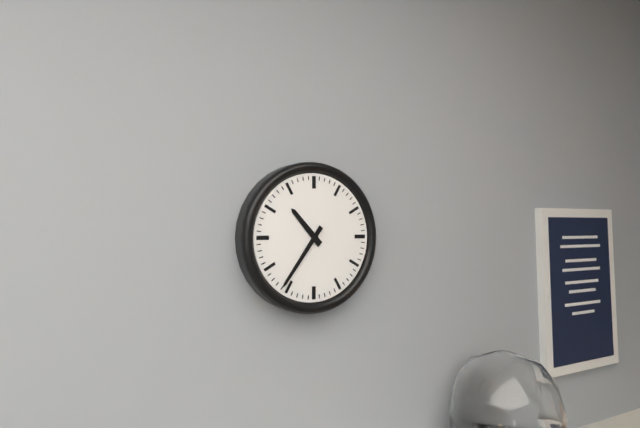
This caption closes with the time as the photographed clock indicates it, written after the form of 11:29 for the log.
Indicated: 10:36
